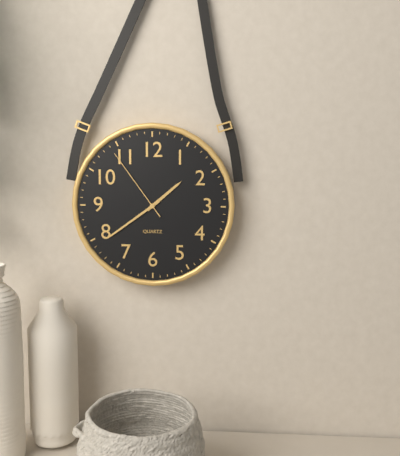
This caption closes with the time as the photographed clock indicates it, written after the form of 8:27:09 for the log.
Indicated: 1:39:54
